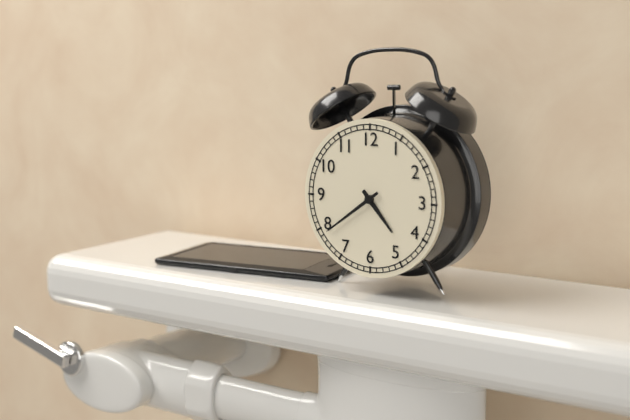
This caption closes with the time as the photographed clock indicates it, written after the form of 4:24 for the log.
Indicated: 4:39
